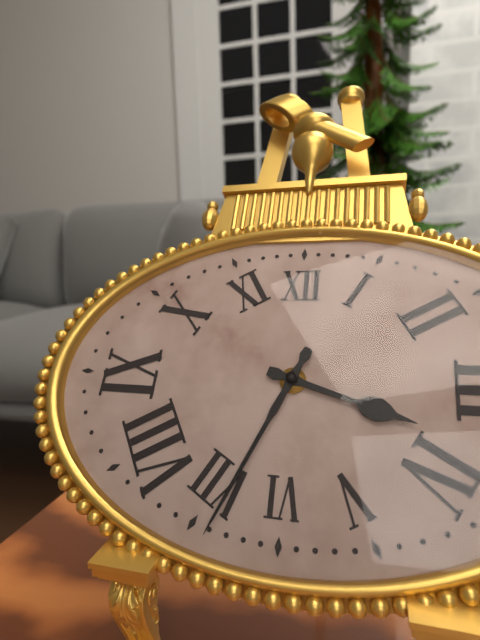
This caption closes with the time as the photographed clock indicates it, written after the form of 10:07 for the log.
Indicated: 3:34
